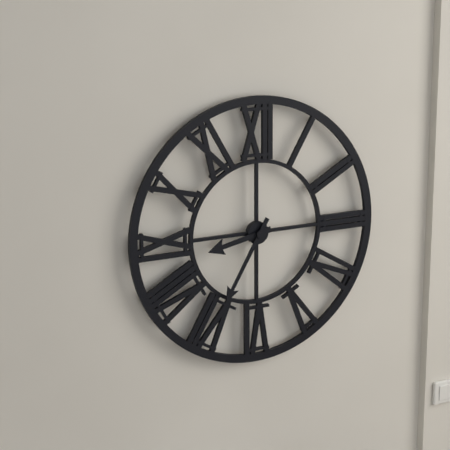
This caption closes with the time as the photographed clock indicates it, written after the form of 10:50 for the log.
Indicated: 8:35
